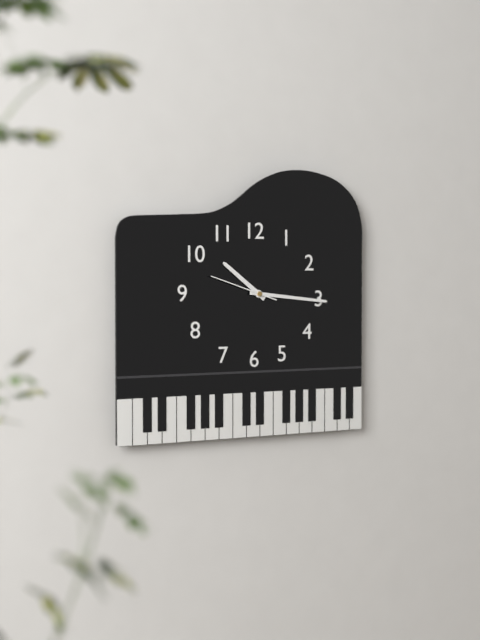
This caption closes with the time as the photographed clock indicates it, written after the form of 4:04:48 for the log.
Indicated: 10:16:48
